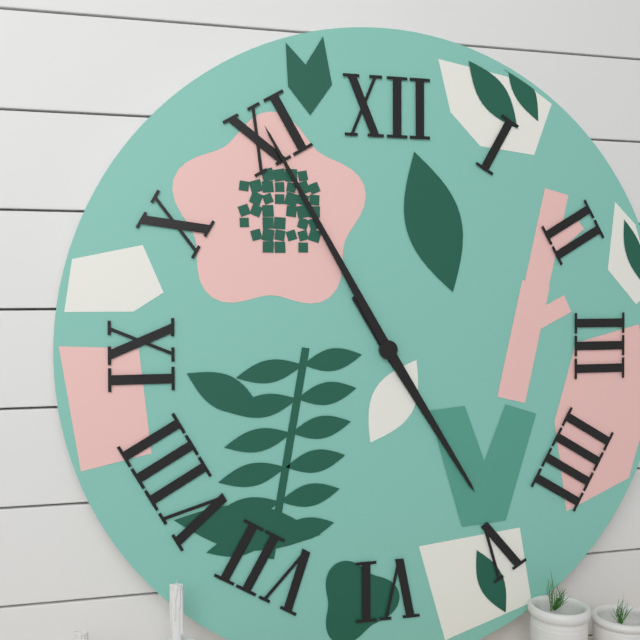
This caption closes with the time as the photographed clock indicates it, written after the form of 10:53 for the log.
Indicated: 4:55
